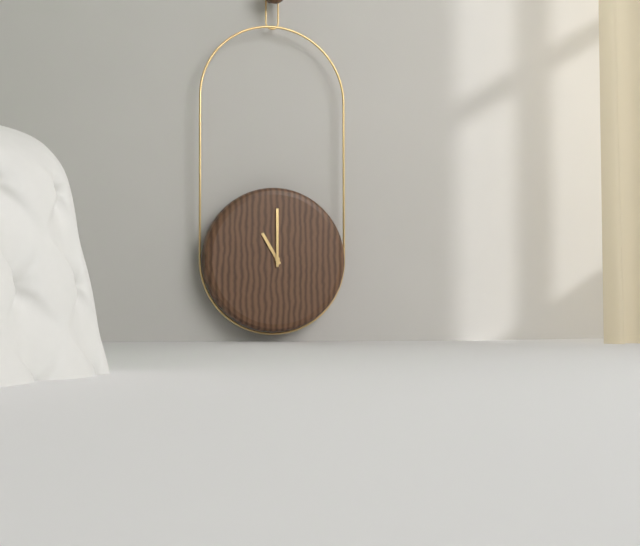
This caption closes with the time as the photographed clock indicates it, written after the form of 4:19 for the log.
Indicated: 11:00
